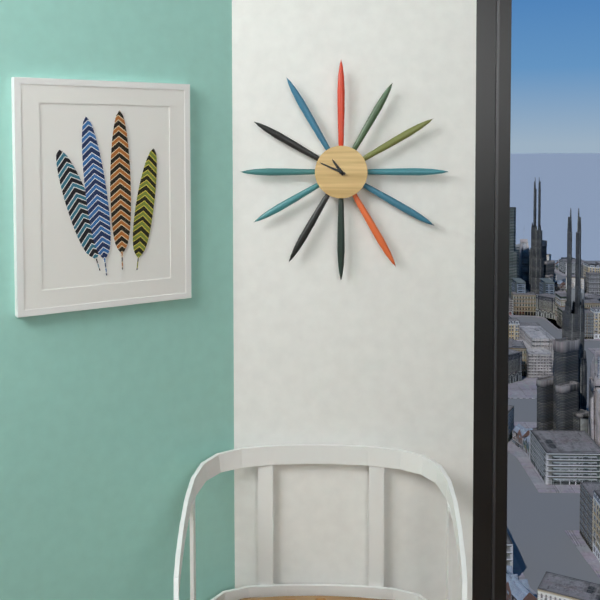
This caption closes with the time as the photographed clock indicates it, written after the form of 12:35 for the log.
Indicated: 10:49
